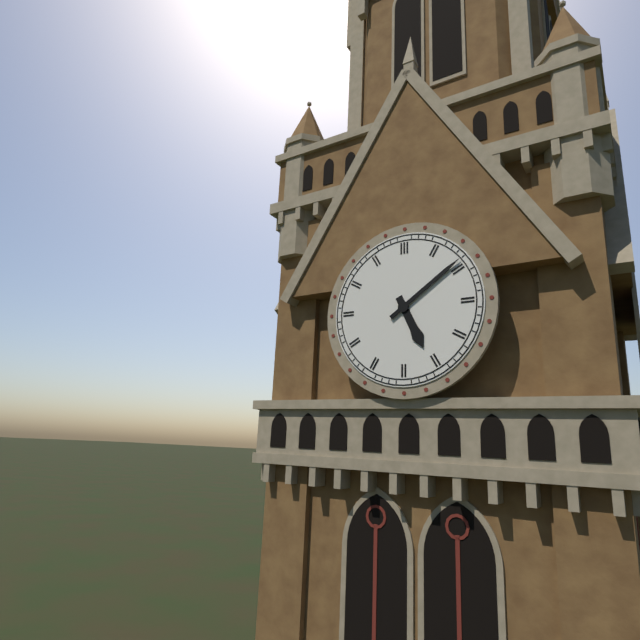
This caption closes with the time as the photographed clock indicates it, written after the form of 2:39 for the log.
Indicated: 5:09
